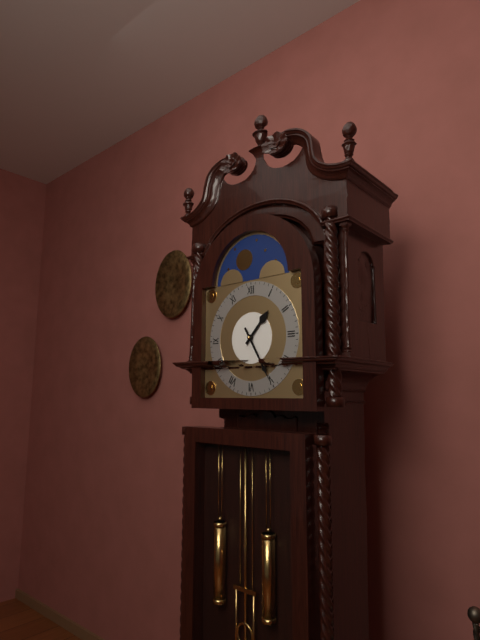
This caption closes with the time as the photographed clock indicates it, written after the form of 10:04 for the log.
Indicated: 1:25
